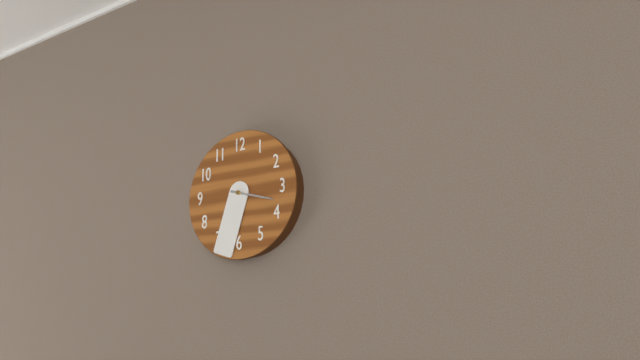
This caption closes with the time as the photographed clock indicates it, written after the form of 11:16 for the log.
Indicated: 3:33
